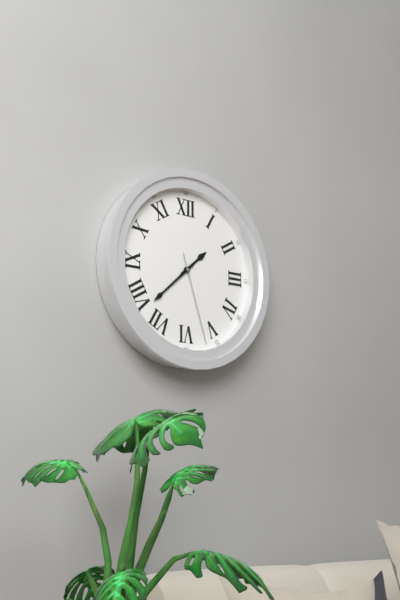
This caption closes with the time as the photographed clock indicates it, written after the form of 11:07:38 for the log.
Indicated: 1:38:27
